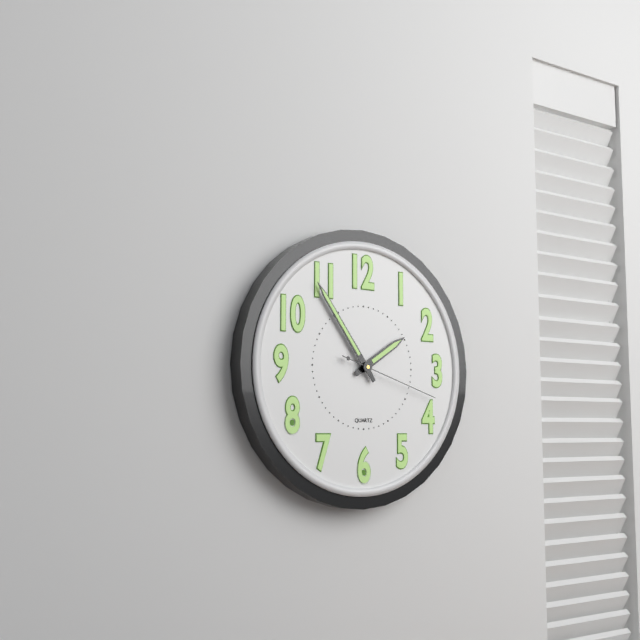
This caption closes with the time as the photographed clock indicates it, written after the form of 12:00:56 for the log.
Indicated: 1:54:18
